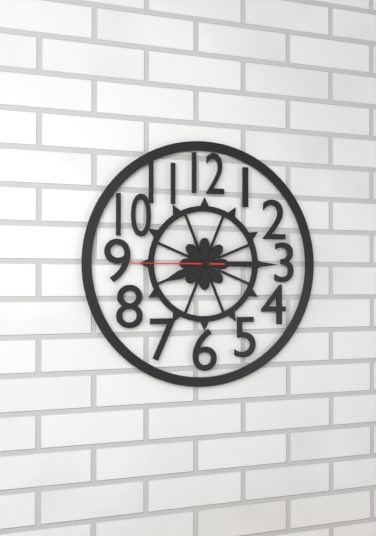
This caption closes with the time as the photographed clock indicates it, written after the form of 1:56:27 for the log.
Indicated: 8:15:45
